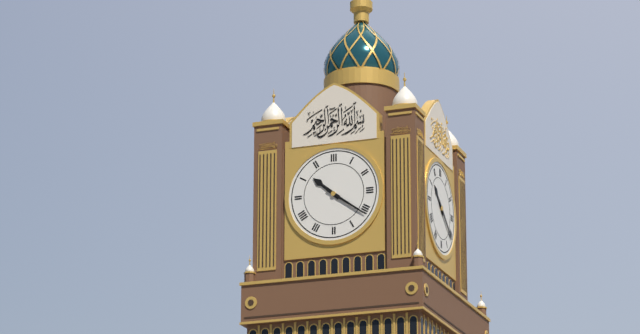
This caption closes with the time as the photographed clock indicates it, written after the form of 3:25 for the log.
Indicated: 10:21
